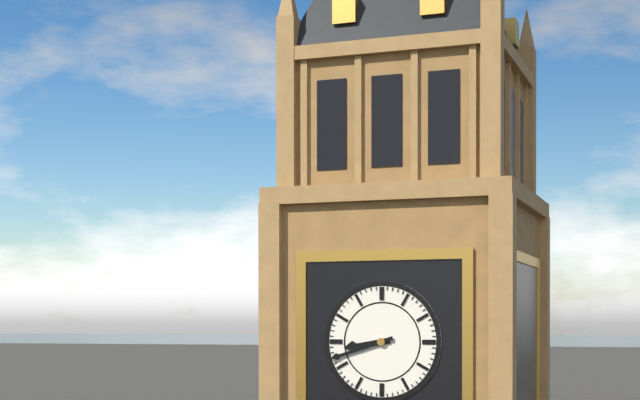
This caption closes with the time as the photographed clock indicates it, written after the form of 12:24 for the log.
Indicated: 8:42
